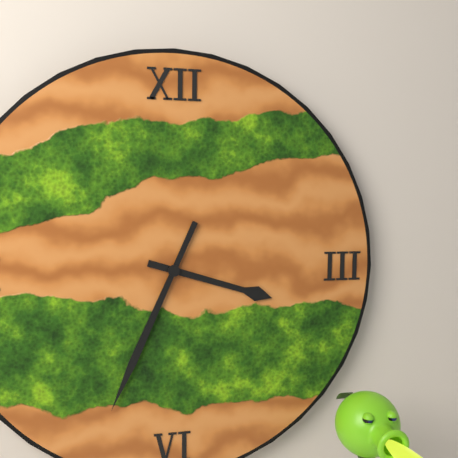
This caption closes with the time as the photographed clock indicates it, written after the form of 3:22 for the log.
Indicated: 3:34
